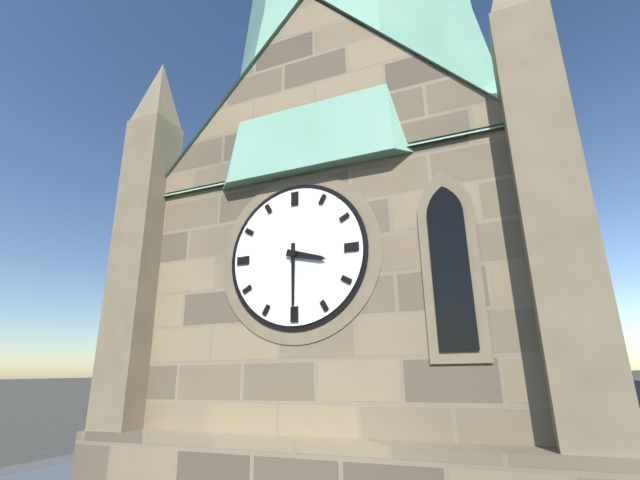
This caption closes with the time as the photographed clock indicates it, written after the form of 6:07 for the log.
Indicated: 3:30
